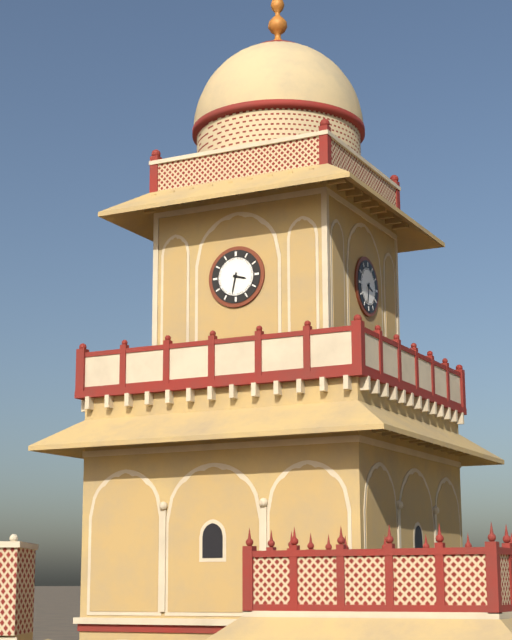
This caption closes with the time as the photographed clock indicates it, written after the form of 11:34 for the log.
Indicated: 3:32
